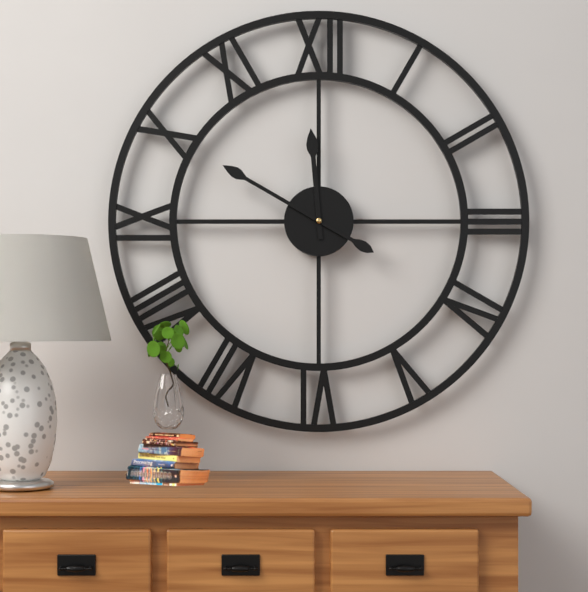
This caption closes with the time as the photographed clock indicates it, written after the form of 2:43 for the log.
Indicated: 11:50
